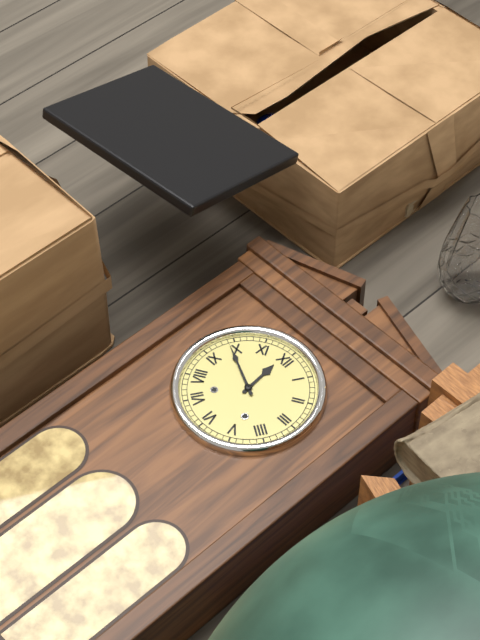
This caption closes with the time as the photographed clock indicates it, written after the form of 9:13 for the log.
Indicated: 11:49
